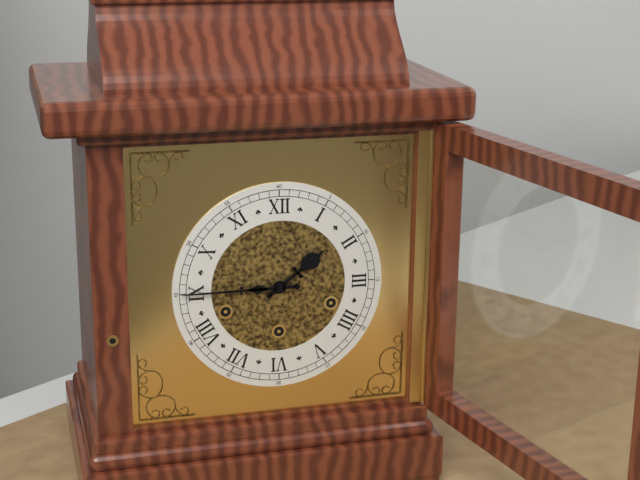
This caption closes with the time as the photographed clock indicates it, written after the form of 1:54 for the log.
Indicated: 1:45
